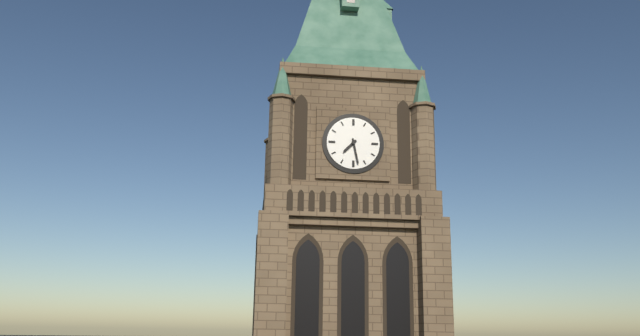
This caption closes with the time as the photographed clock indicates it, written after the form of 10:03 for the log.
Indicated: 7:28
